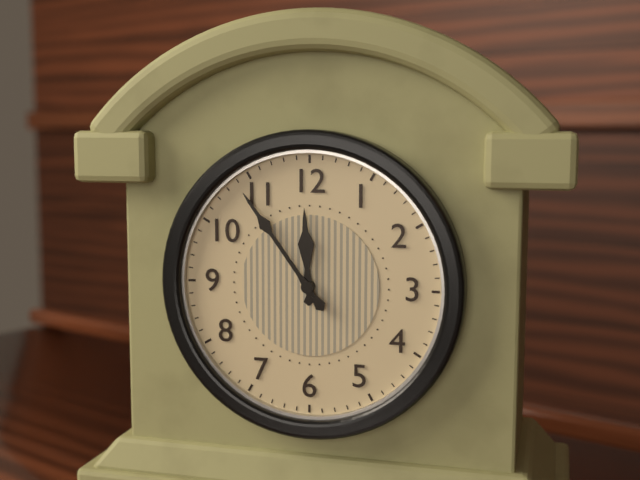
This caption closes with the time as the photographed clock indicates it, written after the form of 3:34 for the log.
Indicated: 11:54
